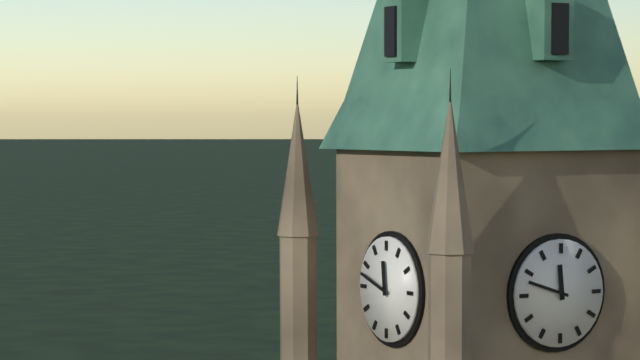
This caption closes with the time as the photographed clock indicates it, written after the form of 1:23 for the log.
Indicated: 11:48
